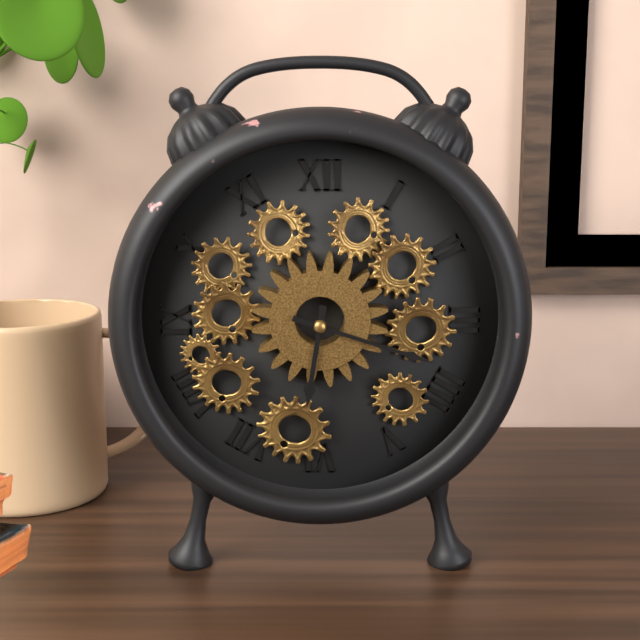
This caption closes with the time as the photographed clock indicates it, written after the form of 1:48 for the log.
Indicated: 6:18
